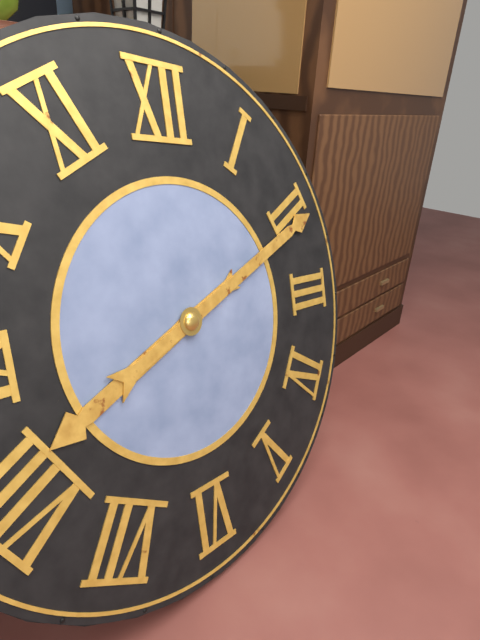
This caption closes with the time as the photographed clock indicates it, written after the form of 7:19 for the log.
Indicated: 8:11
